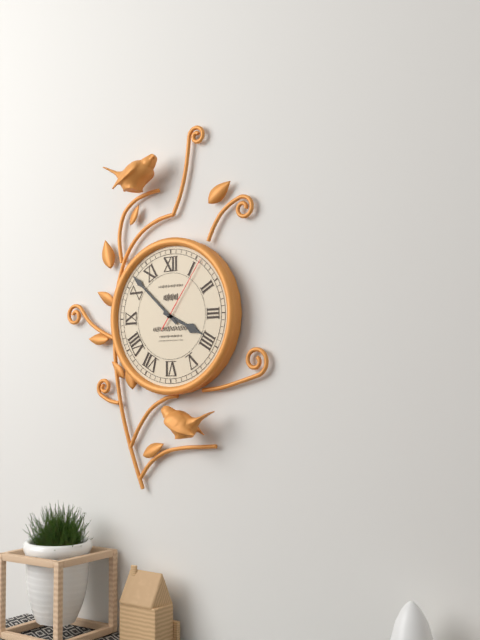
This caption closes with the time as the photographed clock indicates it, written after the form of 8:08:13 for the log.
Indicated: 3:52:06
